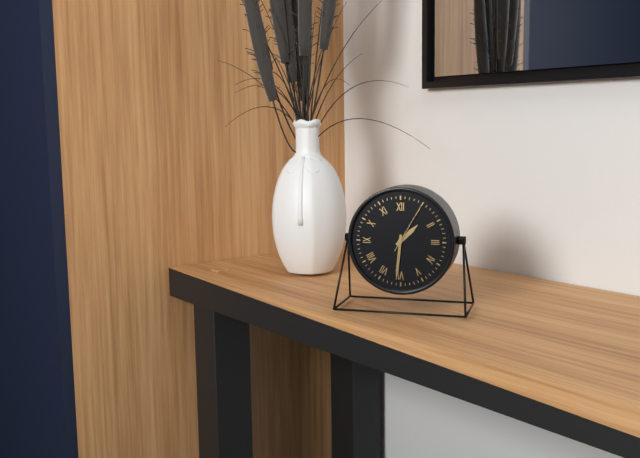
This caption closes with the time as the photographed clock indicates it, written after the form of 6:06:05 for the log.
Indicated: 1:31:05
